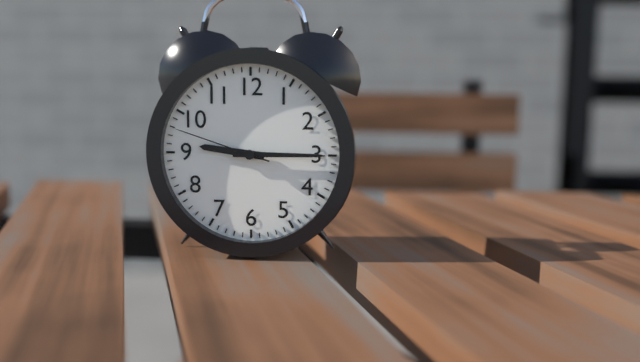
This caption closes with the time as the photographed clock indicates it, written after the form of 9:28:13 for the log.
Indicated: 9:15:48
